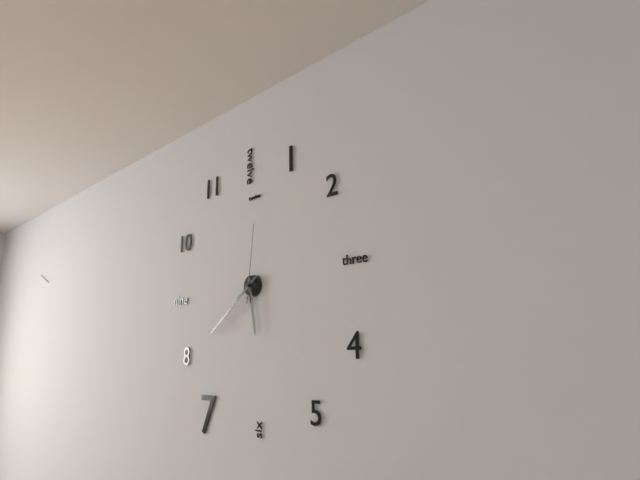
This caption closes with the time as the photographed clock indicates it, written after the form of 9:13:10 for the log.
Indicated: 5:39:01
